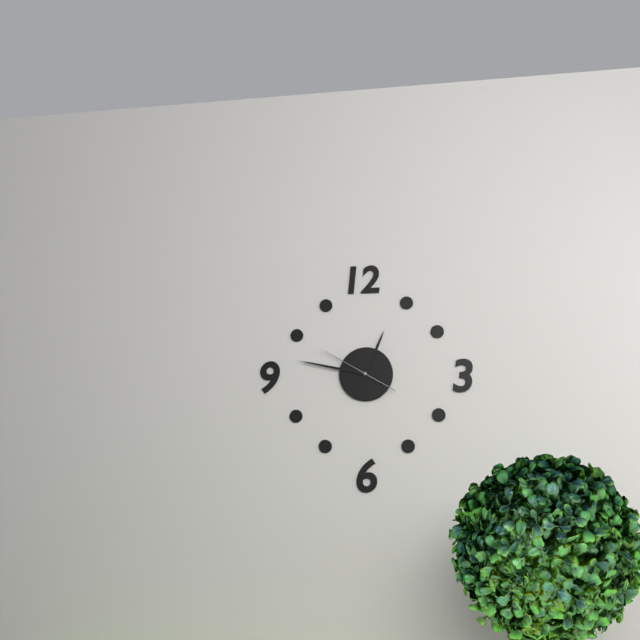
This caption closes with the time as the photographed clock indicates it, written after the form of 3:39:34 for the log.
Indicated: 12:47:50
